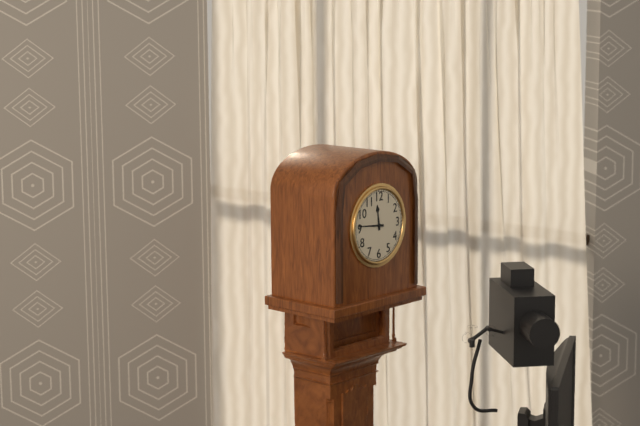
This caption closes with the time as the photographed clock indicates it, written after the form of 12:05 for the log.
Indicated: 11:46
